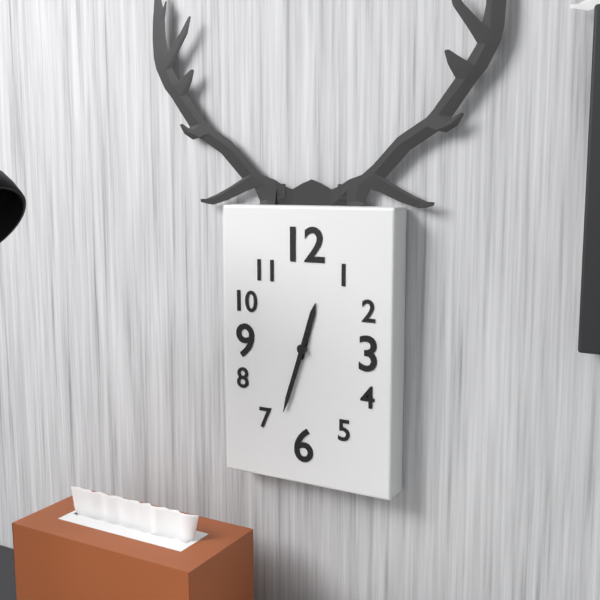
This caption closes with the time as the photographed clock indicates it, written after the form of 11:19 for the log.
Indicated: 12:33
